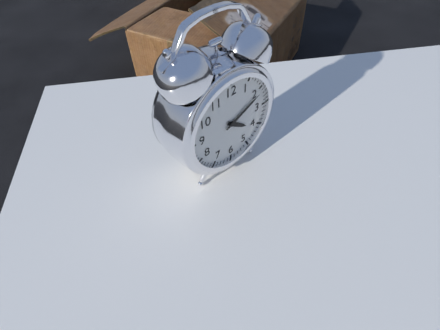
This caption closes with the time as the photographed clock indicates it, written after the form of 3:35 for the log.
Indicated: 4:11
